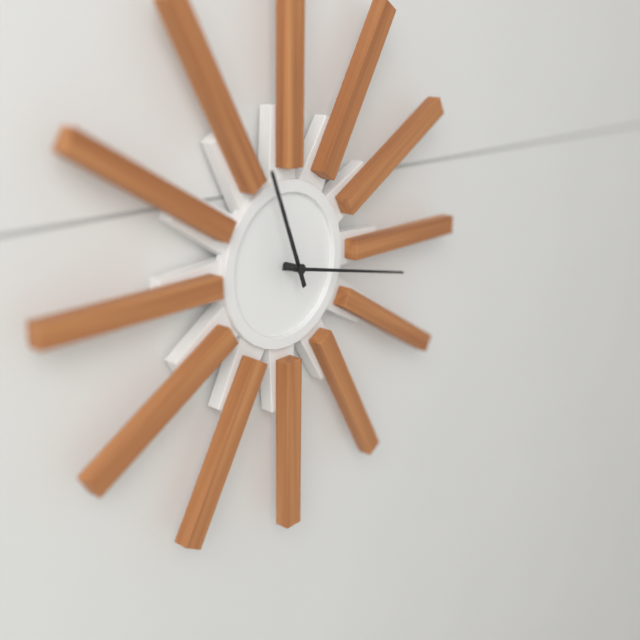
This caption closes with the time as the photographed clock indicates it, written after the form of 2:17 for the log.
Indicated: 11:17
